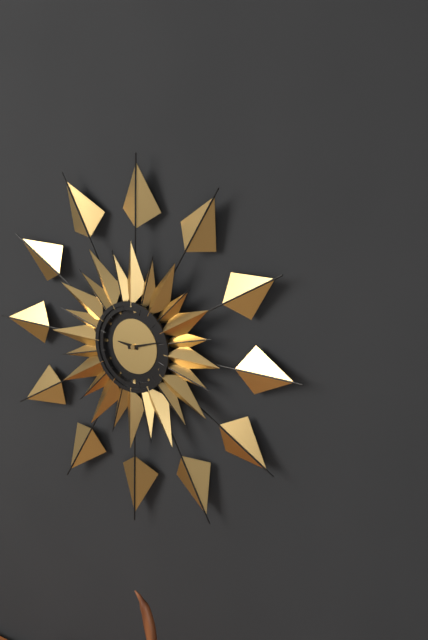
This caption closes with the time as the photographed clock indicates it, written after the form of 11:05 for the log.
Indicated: 9:12
